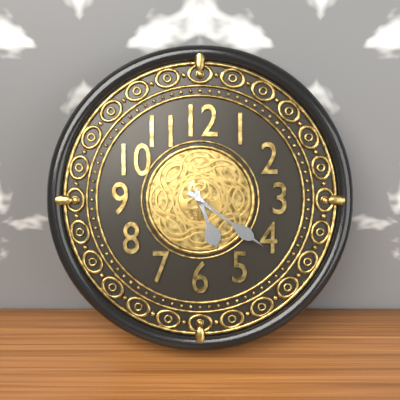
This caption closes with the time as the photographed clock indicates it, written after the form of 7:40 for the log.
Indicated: 5:21
